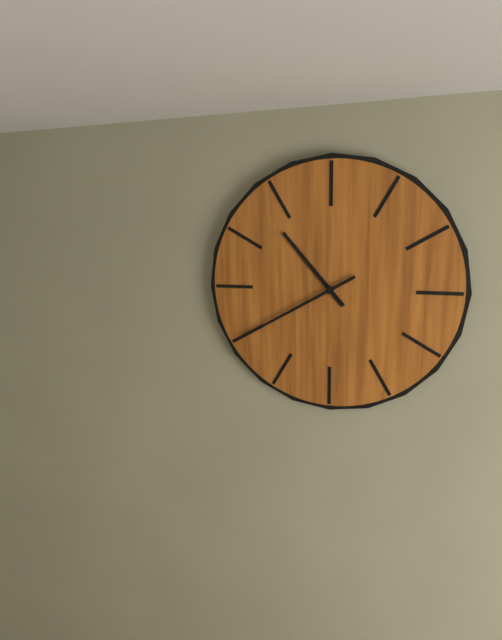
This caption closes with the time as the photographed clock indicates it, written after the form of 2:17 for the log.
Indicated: 10:40
